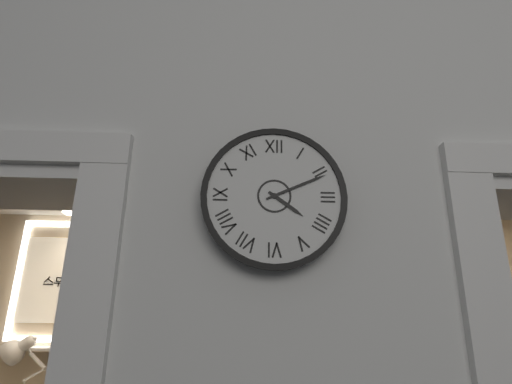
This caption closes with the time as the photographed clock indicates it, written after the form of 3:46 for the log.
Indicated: 4:11
